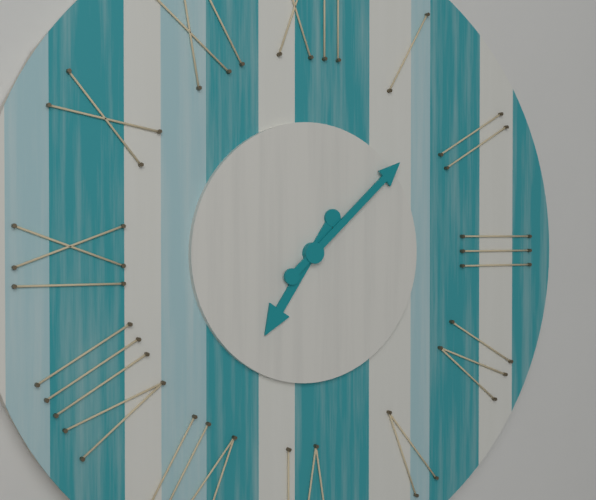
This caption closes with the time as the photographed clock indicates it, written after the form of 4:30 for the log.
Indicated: 7:08
